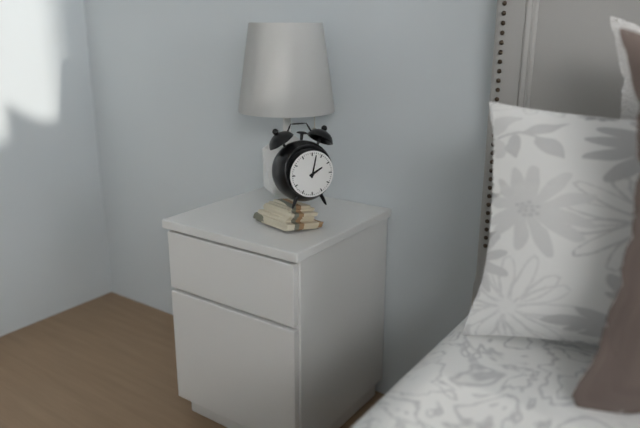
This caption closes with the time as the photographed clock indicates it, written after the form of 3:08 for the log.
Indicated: 2:02
